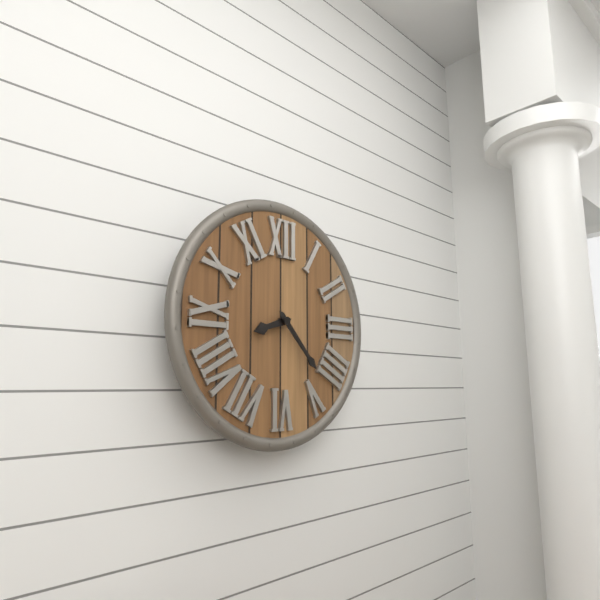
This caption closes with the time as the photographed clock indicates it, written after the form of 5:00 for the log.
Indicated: 8:23
